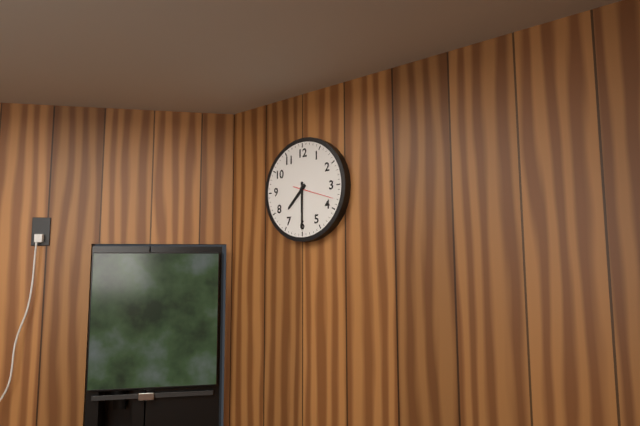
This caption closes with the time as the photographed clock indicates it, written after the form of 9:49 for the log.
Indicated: 7:30
